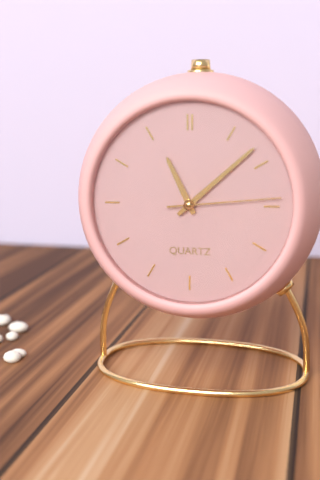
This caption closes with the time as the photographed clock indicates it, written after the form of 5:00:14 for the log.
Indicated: 11:08:14
